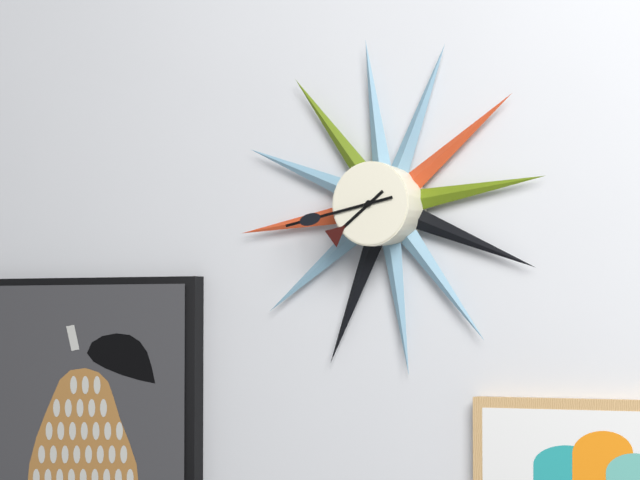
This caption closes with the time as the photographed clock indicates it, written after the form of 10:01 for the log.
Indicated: 7:43
